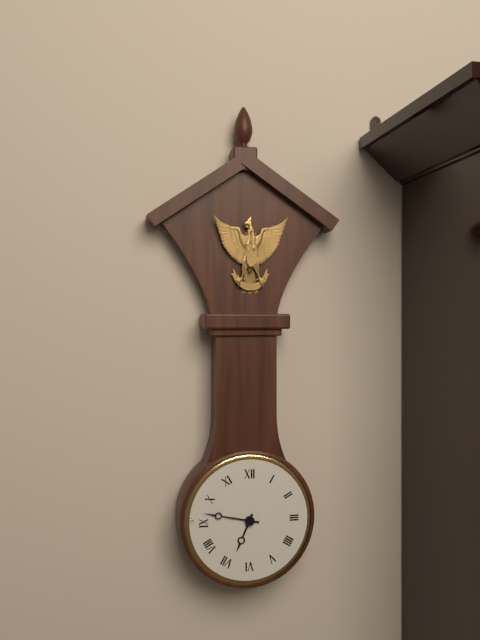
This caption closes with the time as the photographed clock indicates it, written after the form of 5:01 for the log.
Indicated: 6:47
